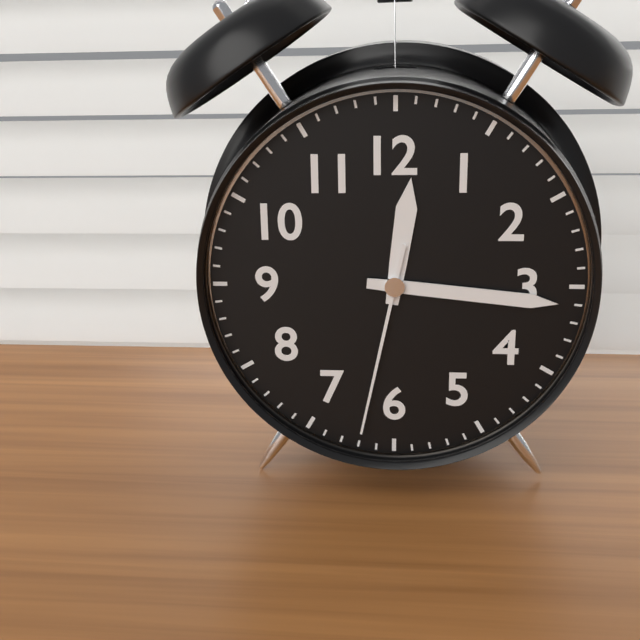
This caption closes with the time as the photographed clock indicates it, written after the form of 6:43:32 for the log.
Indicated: 12:16:32
